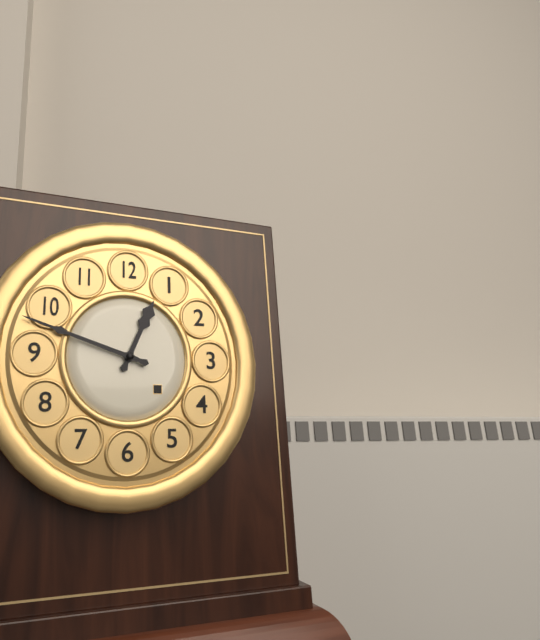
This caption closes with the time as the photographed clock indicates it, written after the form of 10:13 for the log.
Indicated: 12:48
